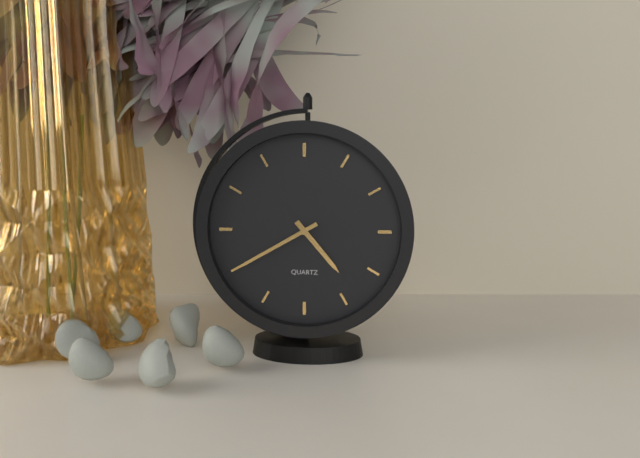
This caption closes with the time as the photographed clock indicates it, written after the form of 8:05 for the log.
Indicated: 4:40
